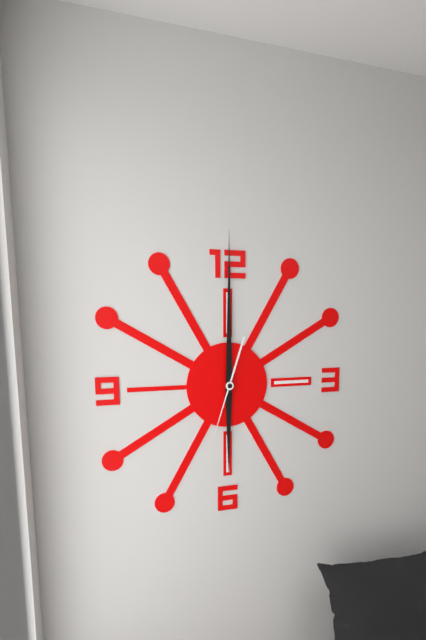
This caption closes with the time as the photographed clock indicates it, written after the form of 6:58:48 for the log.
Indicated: 6:00:33
